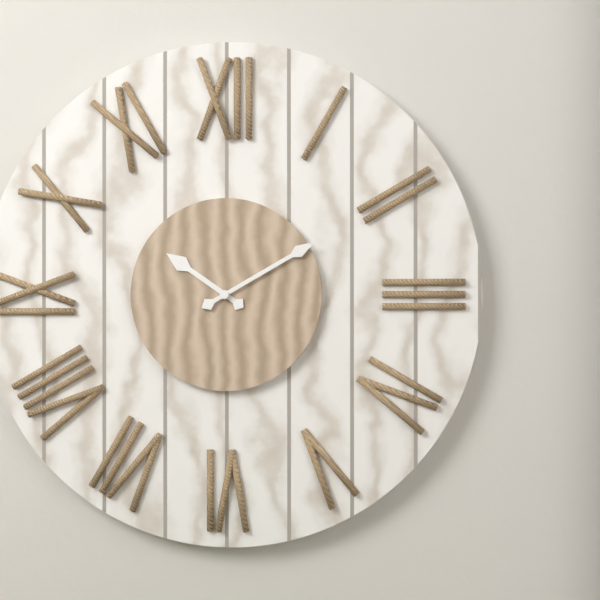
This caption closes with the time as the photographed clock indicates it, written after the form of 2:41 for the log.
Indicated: 10:10
